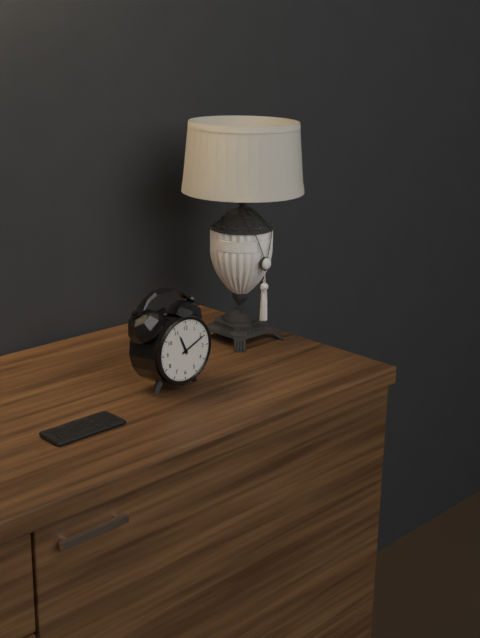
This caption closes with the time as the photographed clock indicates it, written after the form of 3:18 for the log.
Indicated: 11:11
